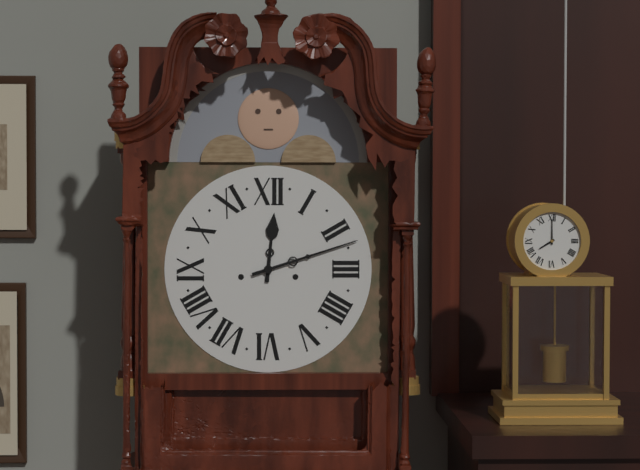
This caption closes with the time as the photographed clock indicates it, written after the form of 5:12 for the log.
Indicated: 12:12
